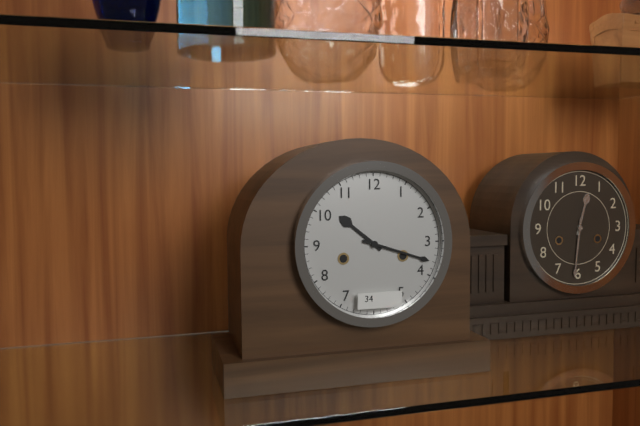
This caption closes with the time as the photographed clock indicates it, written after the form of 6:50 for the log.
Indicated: 10:18
